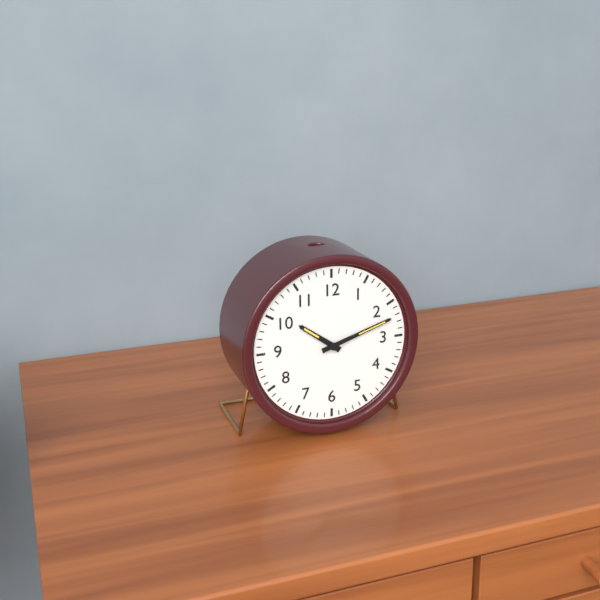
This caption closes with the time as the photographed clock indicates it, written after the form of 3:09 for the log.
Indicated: 10:12
